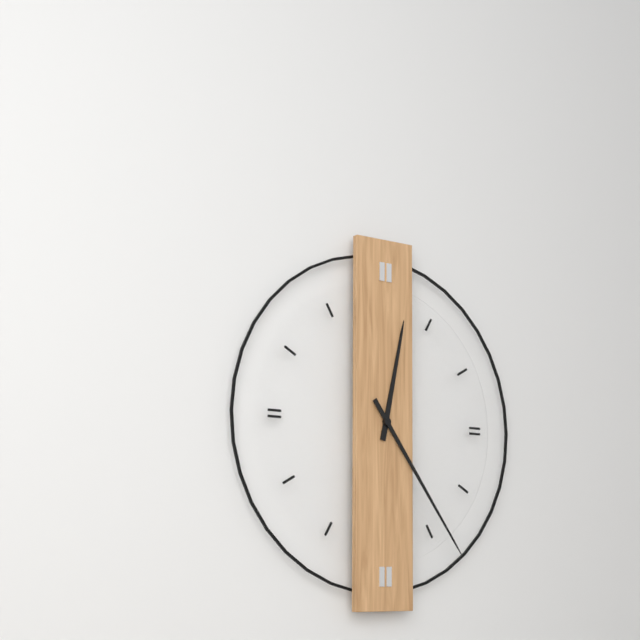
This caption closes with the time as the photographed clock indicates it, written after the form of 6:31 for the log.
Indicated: 12:24
